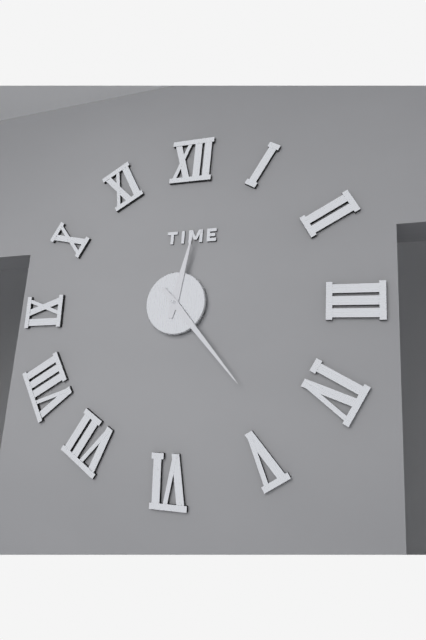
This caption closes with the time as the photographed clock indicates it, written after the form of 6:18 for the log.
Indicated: 12:23
